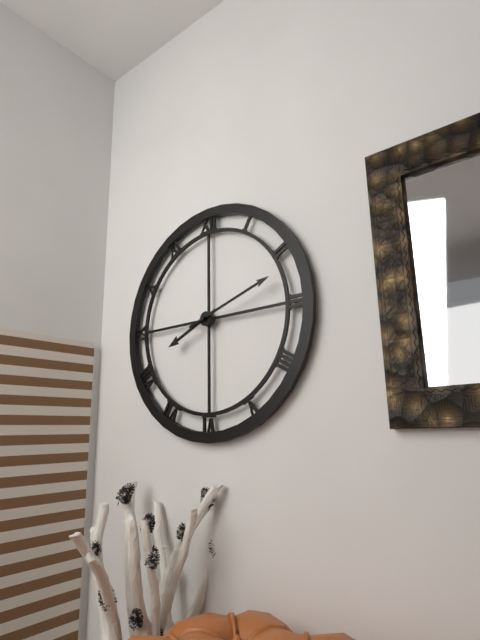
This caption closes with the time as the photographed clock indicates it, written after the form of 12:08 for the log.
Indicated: 8:12
